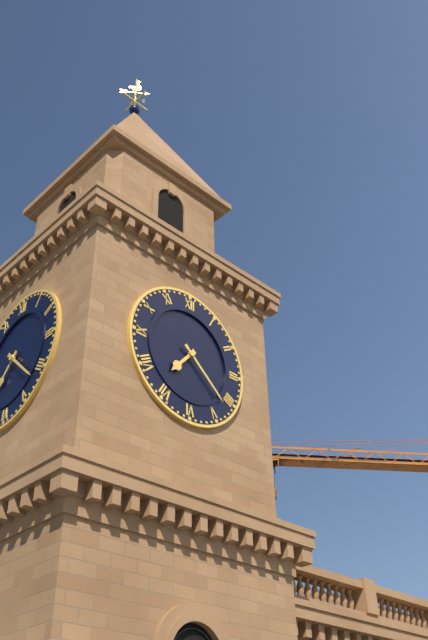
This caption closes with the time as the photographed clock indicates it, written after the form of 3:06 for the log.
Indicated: 7:22
